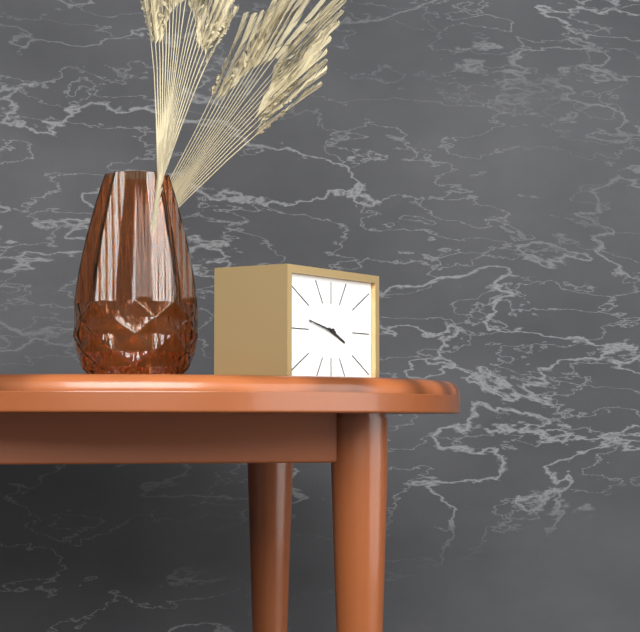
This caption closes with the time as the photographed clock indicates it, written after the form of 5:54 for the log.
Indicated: 3:47
